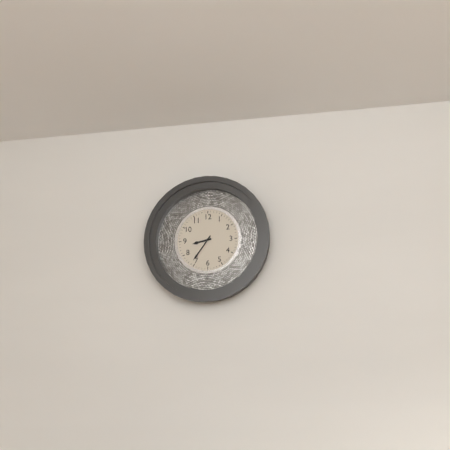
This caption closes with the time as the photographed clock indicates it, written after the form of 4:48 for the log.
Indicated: 8:36
